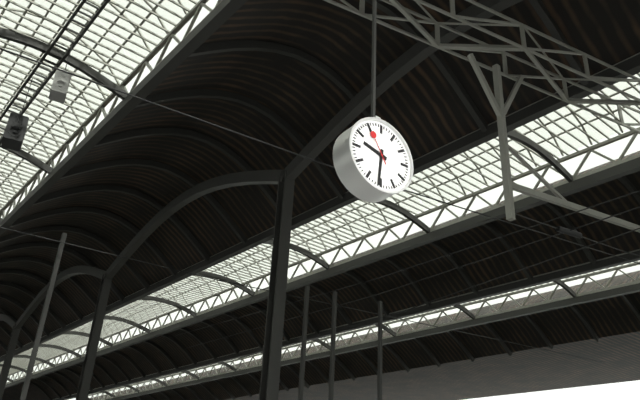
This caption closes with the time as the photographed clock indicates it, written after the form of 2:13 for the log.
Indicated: 9:31
